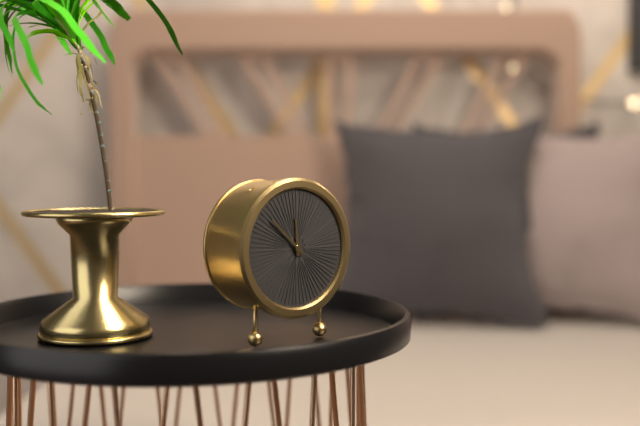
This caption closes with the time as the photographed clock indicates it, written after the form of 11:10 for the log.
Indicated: 11:52
